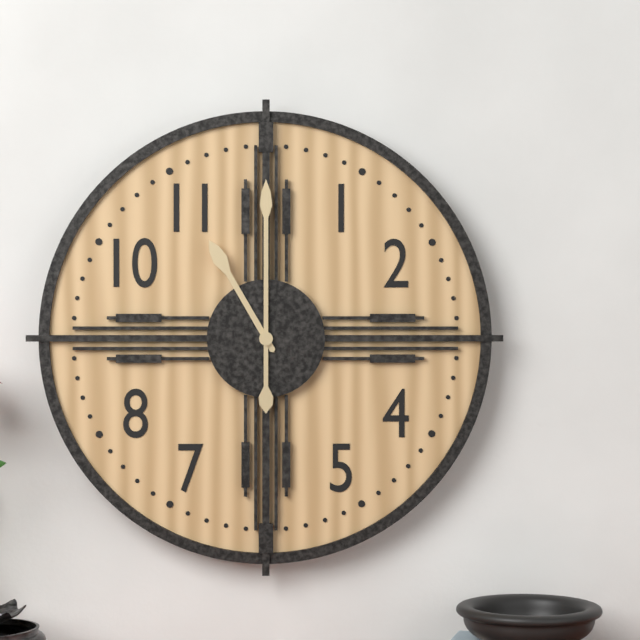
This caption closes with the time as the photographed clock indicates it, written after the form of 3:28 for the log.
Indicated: 11:00
